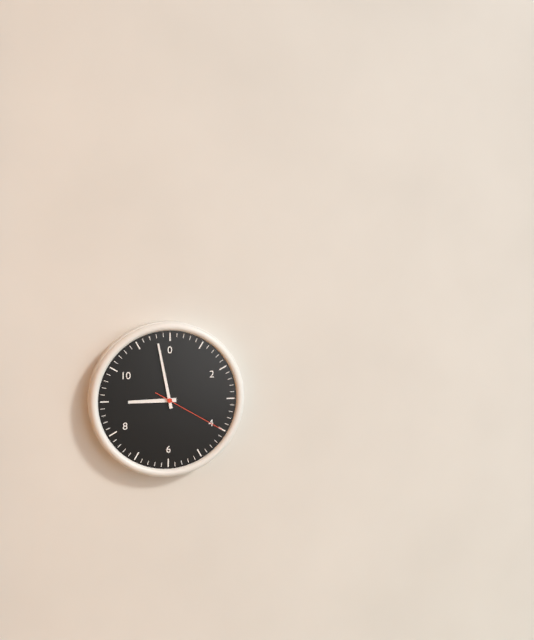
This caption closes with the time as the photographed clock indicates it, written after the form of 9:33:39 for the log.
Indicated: 8:58:20
